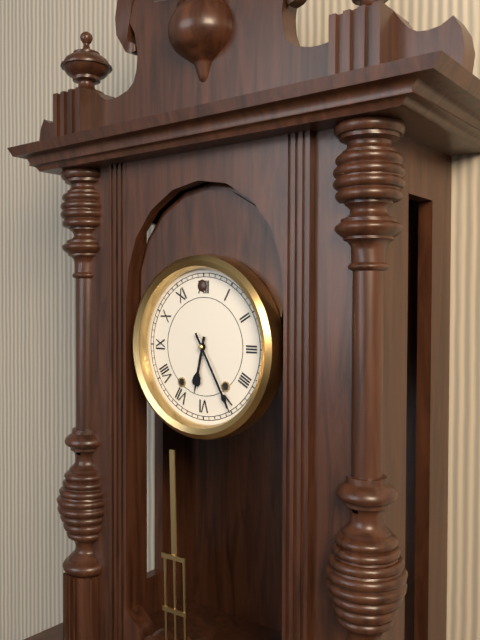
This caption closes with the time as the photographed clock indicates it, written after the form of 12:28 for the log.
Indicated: 6:25
